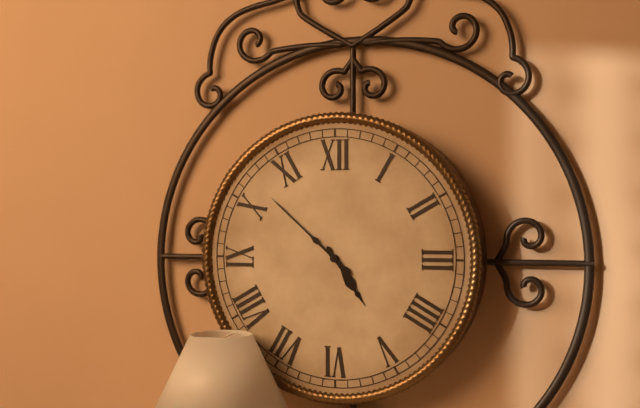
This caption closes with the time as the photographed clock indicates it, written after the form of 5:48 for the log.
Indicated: 4:52
